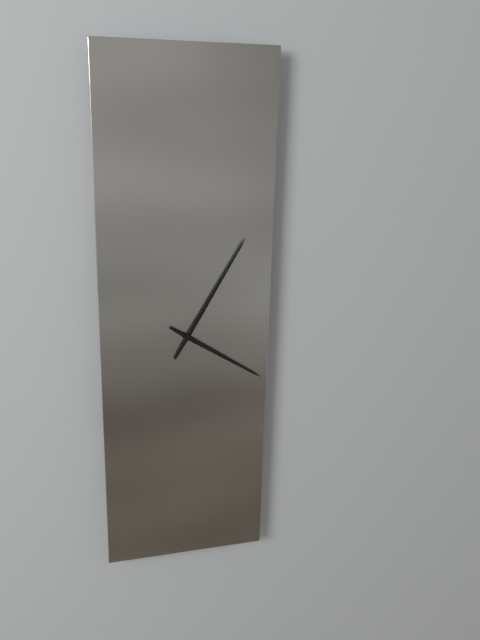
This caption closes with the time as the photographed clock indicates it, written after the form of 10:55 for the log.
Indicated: 4:05
